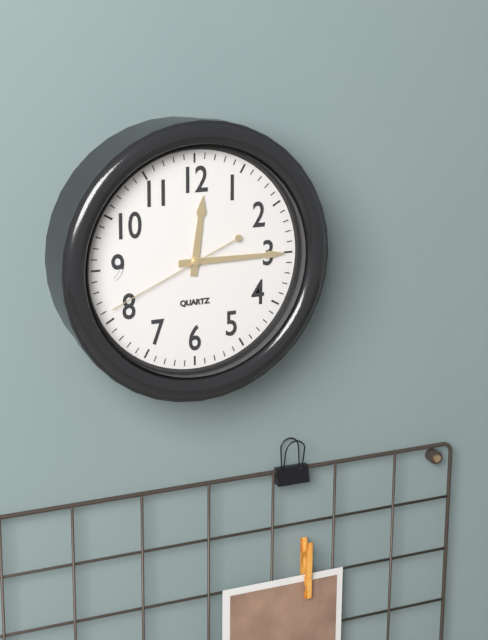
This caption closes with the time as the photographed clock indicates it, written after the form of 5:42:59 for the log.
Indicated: 12:15:41
